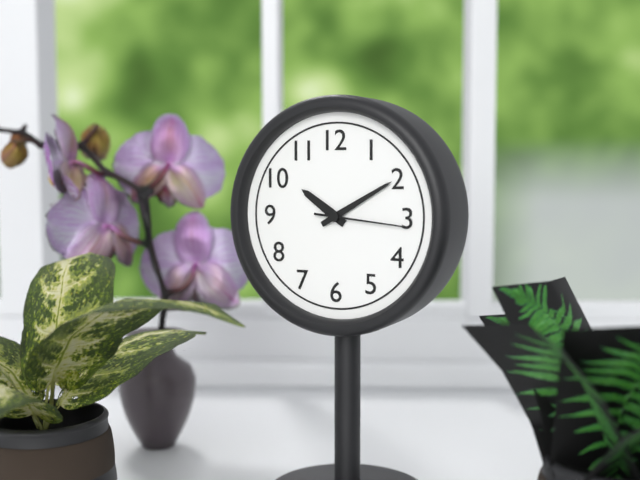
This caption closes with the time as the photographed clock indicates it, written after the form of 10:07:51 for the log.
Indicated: 10:10:16
